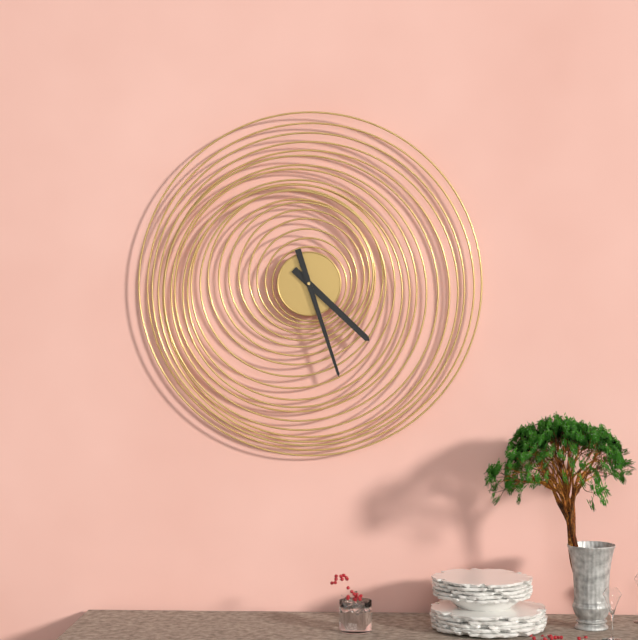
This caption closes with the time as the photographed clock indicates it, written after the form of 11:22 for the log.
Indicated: 4:27
